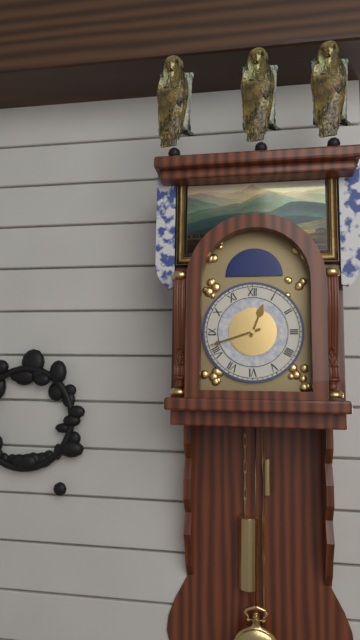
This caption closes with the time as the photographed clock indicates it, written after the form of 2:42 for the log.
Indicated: 12:42
